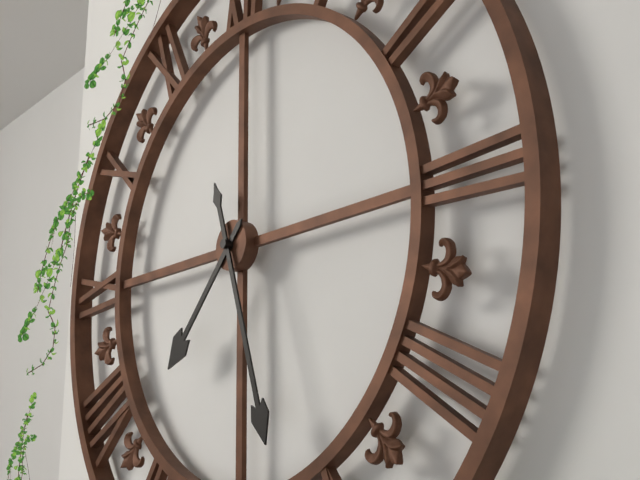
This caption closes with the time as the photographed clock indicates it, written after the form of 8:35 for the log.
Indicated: 7:27
